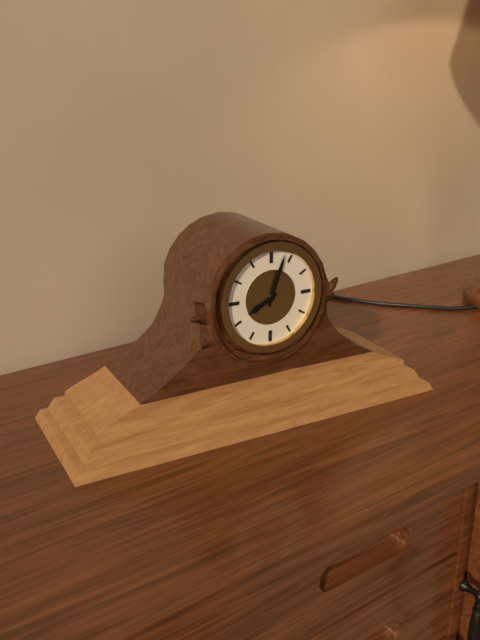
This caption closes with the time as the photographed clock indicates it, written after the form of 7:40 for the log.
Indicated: 8:03
